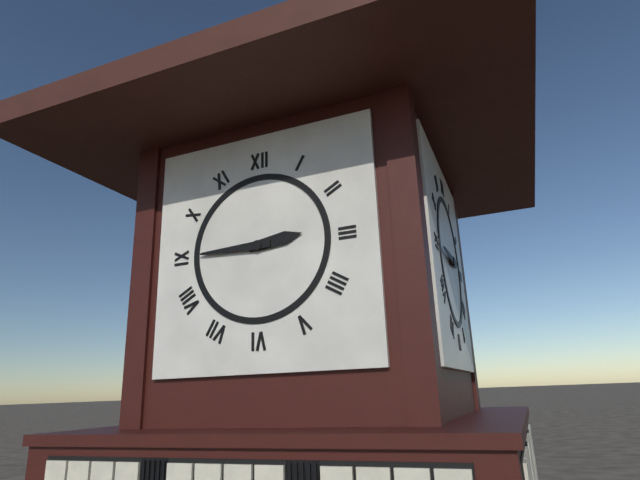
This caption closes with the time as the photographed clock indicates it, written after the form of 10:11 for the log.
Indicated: 2:45
